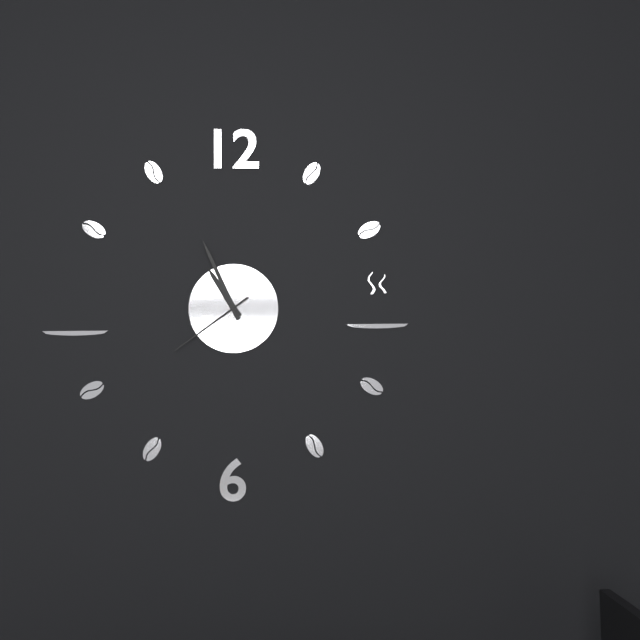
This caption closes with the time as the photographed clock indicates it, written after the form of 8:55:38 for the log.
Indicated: 10:56:39
